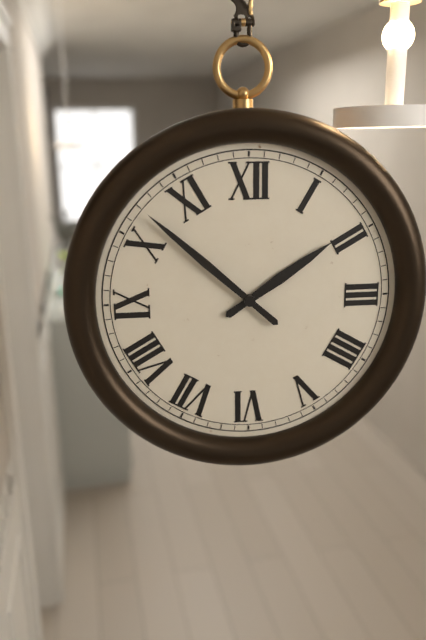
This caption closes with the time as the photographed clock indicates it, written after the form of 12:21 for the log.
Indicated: 1:52
